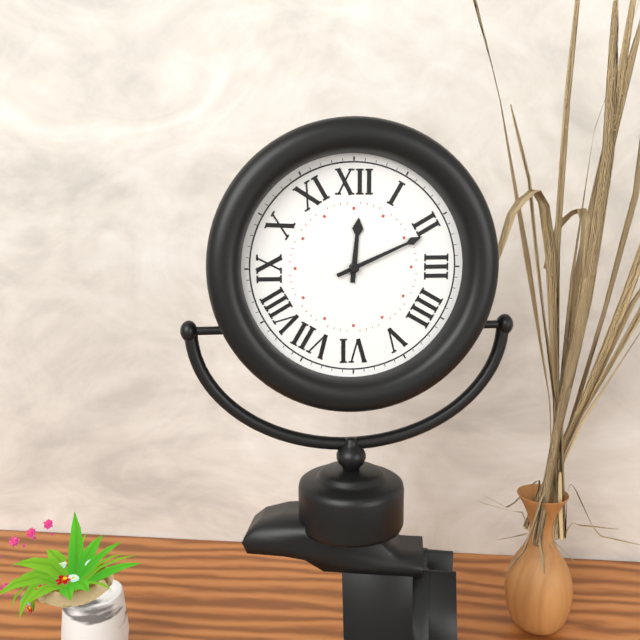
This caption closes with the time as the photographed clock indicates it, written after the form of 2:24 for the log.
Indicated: 12:11
